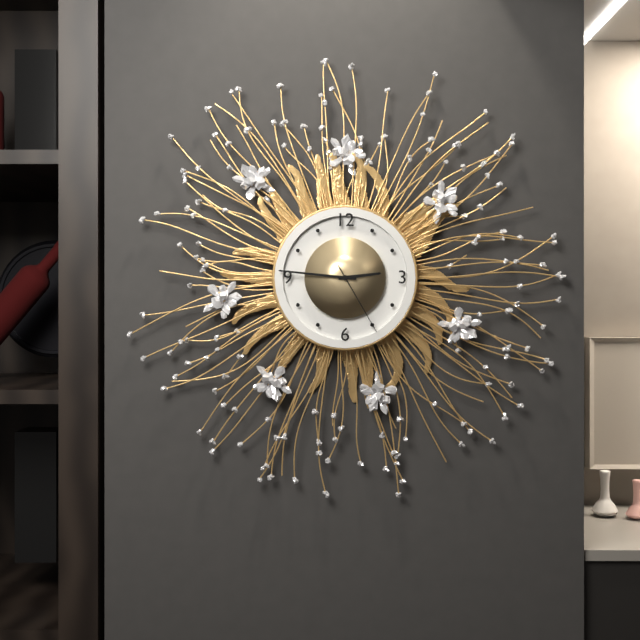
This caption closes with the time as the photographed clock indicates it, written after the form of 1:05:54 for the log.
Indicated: 2:46:25
